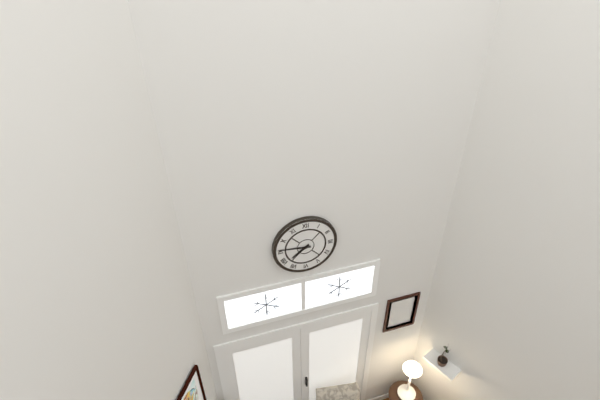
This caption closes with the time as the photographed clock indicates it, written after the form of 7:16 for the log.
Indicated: 7:46
